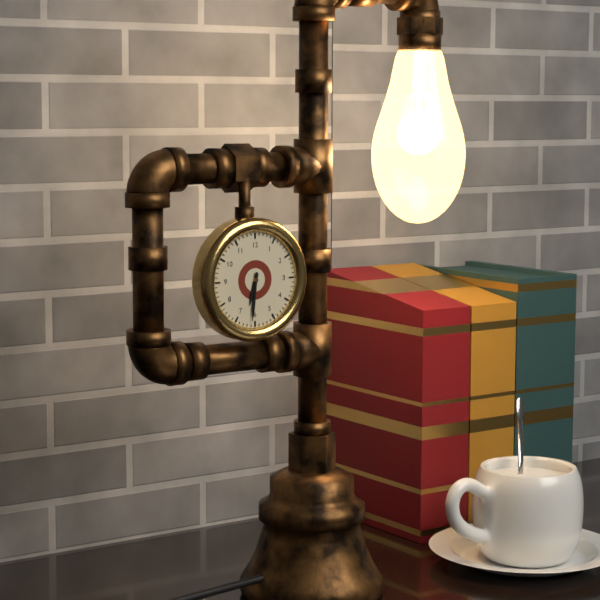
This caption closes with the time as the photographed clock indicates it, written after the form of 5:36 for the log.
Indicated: 6:31
